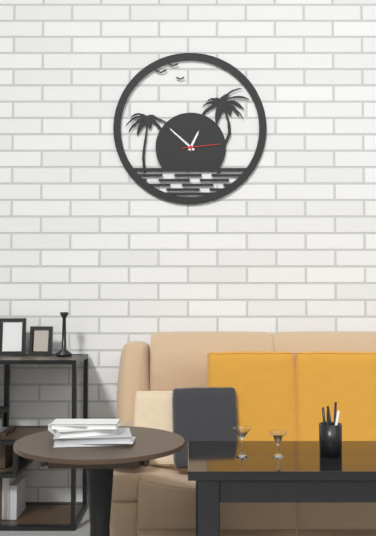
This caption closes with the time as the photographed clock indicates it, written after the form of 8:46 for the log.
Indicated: 12:52
